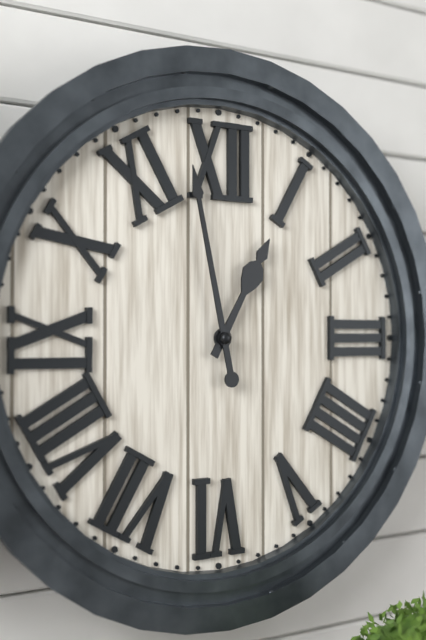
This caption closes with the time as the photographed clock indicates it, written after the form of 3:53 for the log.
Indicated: 12:58
